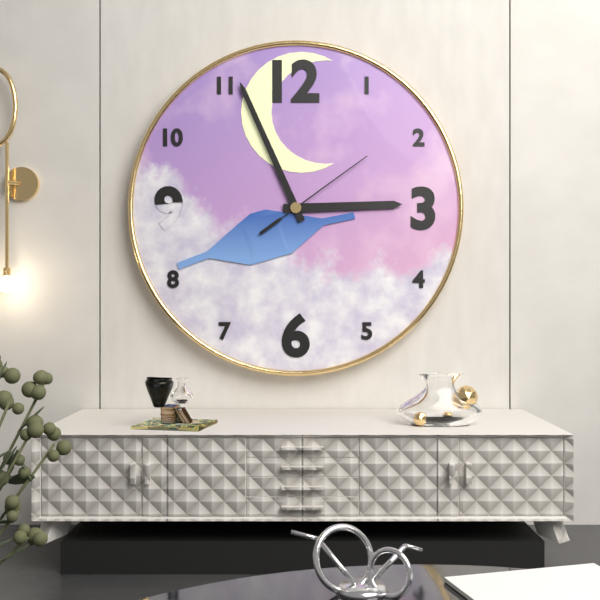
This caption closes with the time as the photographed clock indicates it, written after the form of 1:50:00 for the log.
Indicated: 2:56:09
